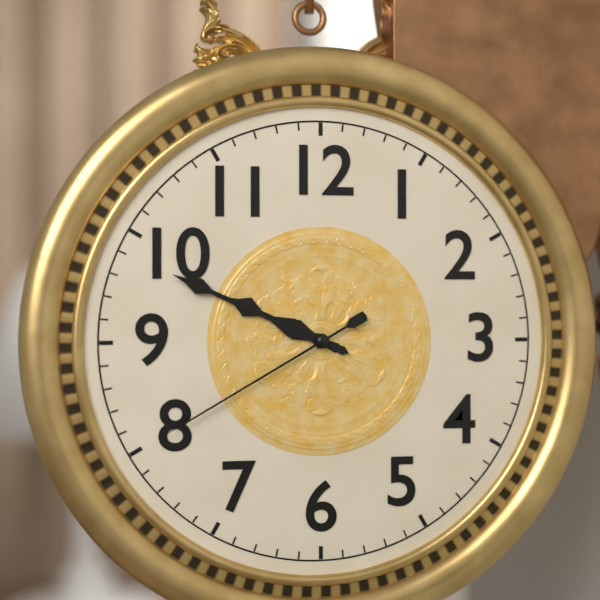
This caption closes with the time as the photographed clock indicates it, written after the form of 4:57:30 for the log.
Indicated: 9:49:40
